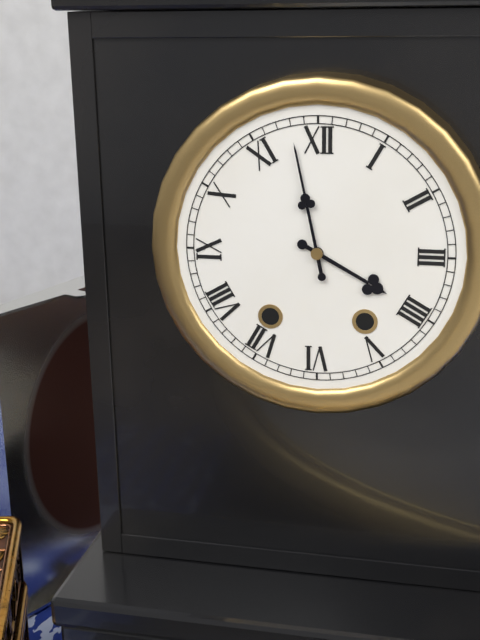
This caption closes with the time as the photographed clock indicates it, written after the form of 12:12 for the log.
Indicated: 3:58
